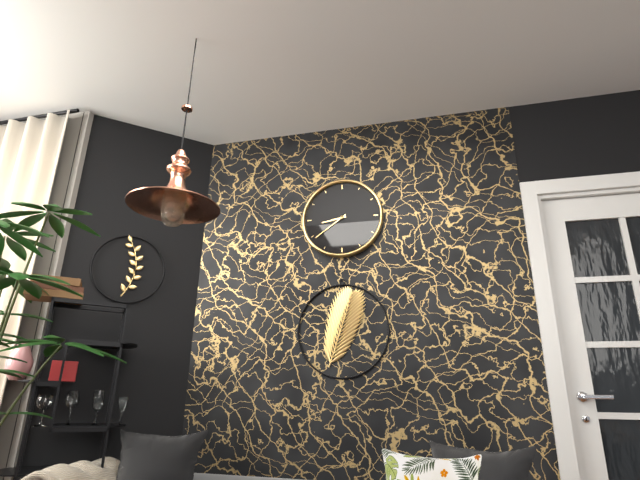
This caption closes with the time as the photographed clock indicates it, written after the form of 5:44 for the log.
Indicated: 8:39
